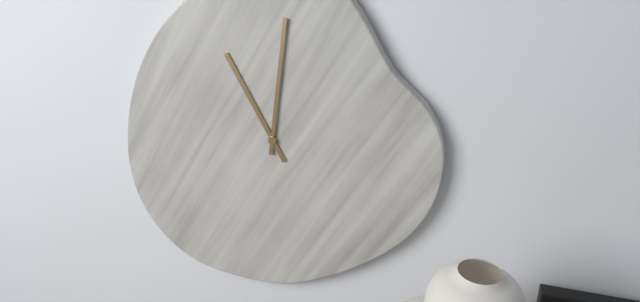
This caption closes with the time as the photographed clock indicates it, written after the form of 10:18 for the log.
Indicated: 11:01
